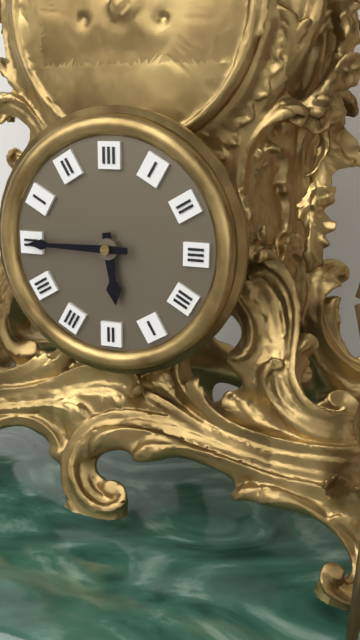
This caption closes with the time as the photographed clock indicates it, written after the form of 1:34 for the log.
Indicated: 5:45
